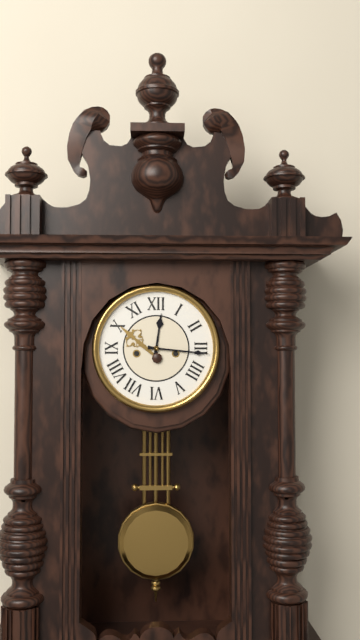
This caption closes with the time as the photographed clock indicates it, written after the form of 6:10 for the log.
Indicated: 12:16
